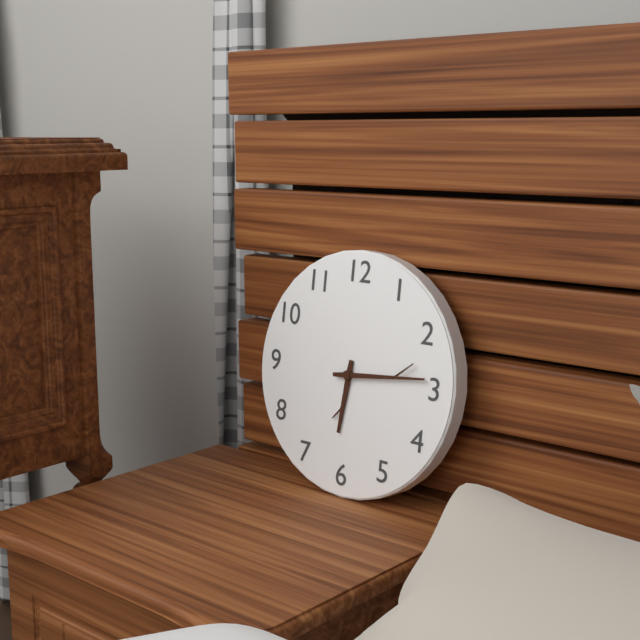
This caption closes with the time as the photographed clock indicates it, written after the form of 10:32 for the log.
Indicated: 6:14
